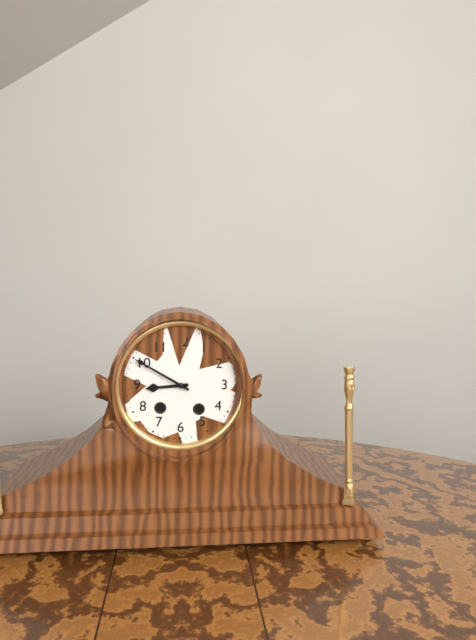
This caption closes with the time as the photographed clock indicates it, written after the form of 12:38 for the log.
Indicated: 8:50
